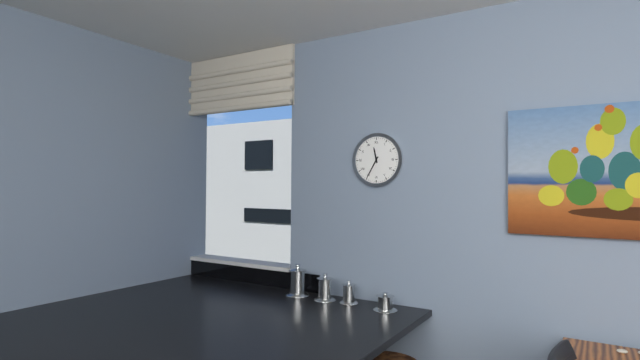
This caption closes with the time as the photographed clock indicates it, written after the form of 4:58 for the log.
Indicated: 11:35
